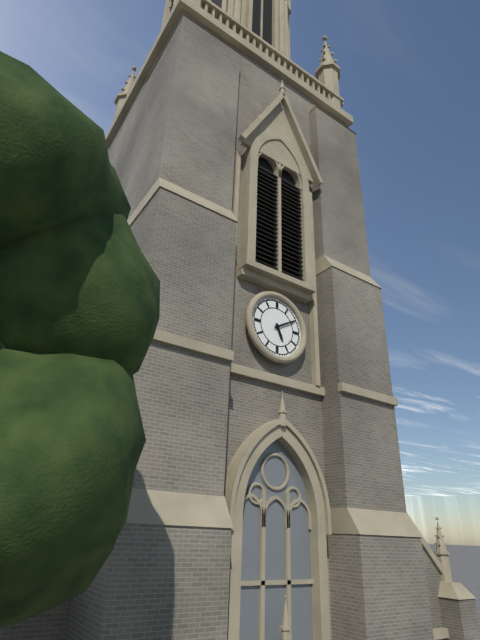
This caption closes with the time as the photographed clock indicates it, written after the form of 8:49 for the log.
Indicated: 5:10
